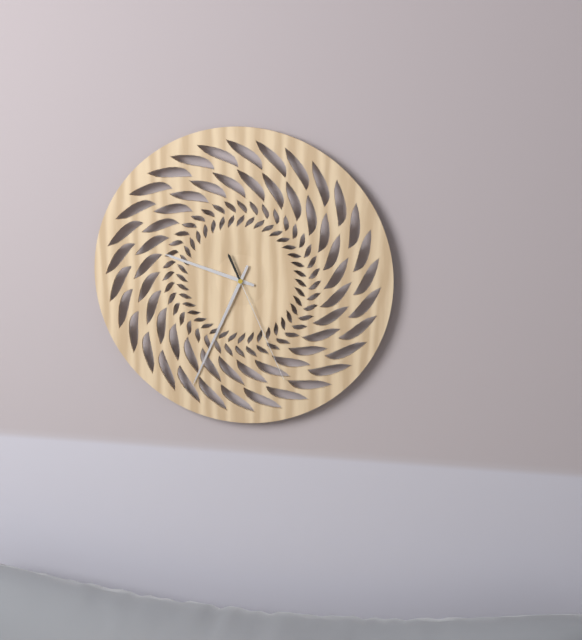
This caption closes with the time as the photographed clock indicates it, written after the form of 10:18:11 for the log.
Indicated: 9:34:26
